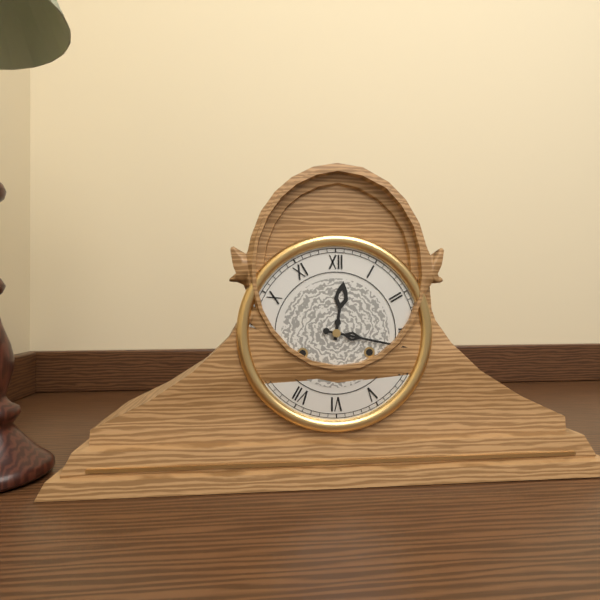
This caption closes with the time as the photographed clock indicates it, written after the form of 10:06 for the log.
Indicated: 12:17
